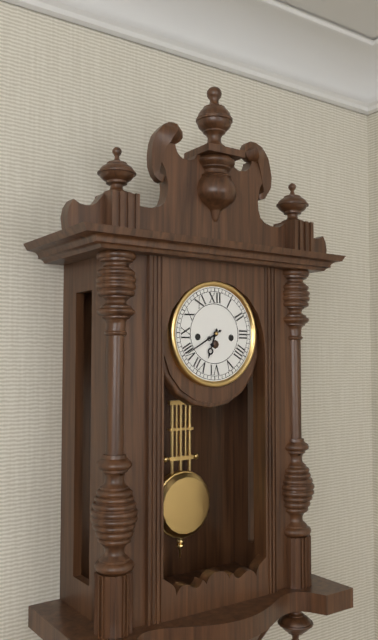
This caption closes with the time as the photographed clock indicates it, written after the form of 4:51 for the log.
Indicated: 6:40
